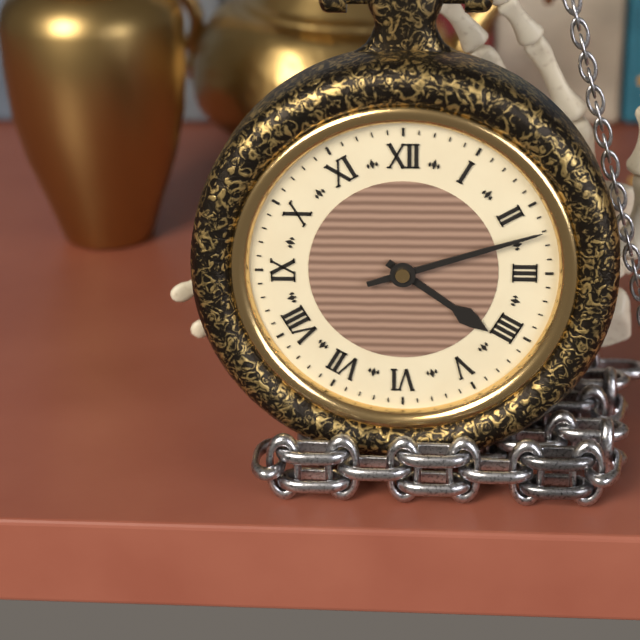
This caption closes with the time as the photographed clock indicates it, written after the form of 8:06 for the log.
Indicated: 4:12
